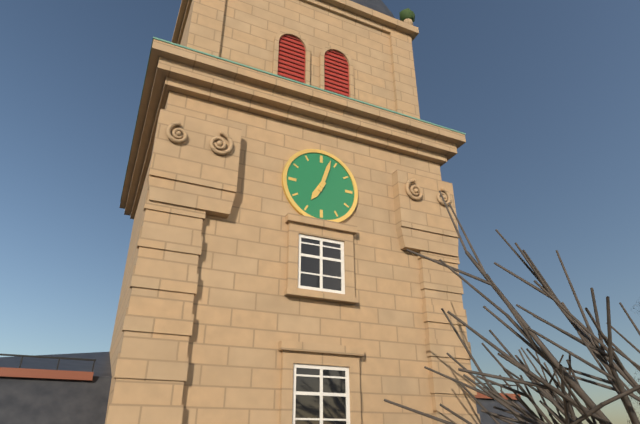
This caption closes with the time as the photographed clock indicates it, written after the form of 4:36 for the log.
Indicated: 7:03
